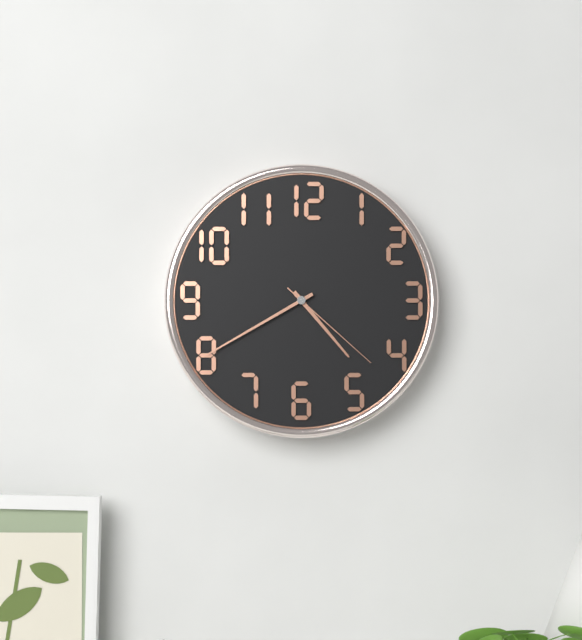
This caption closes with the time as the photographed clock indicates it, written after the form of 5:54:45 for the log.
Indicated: 4:40:22
